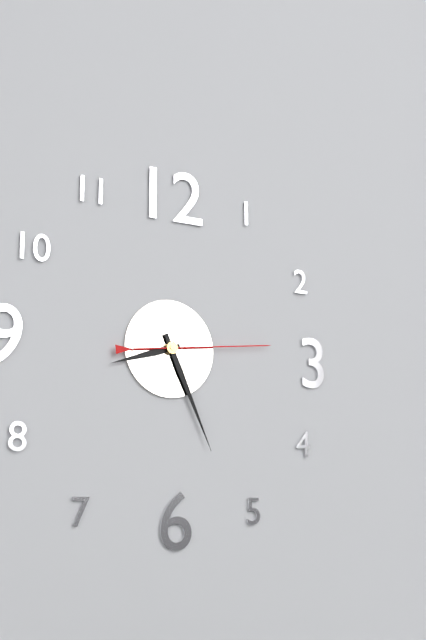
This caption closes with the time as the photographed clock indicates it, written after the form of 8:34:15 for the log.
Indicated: 8:26:14
